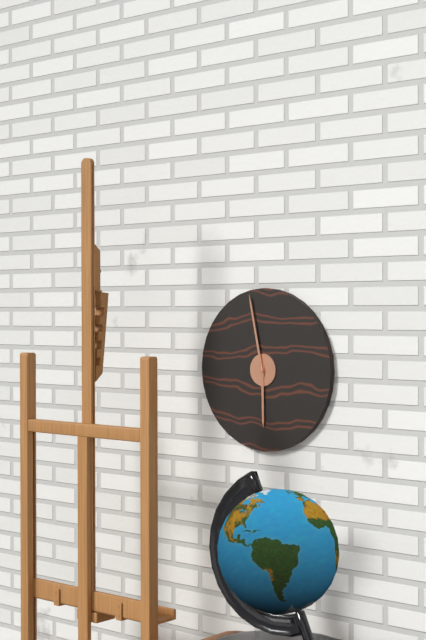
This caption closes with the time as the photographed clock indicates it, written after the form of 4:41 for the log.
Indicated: 5:58
